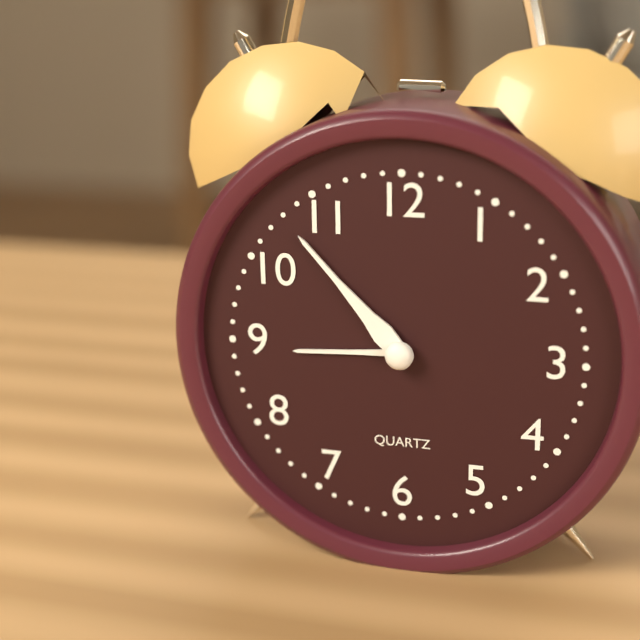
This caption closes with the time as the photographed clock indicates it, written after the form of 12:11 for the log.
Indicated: 8:53
